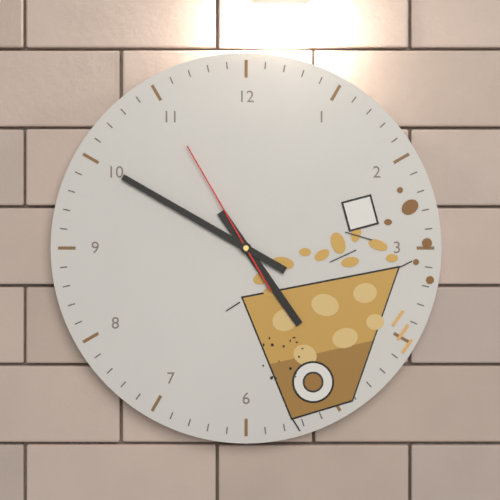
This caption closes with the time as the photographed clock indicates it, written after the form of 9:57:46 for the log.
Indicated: 4:50:55
